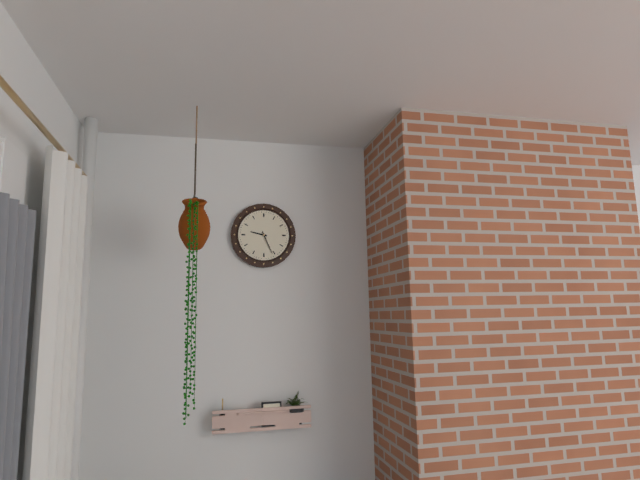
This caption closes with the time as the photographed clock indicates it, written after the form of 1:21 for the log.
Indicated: 9:26
